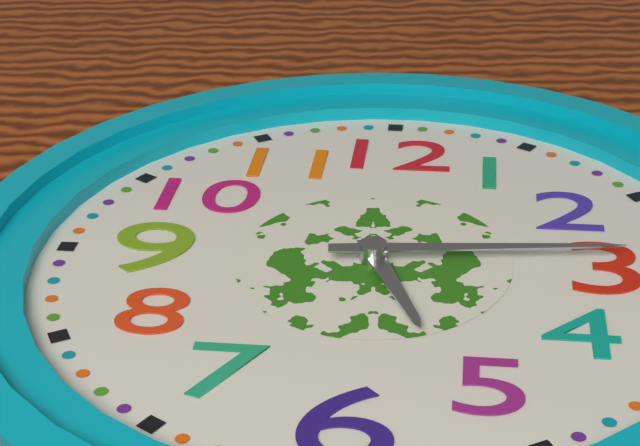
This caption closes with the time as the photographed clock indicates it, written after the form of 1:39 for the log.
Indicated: 5:14
